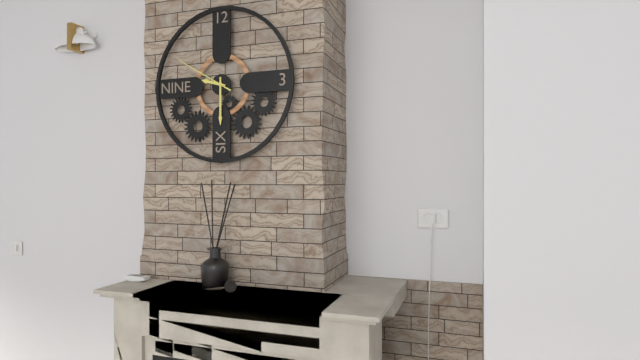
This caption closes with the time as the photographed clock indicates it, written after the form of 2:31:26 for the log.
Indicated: 9:30:50
